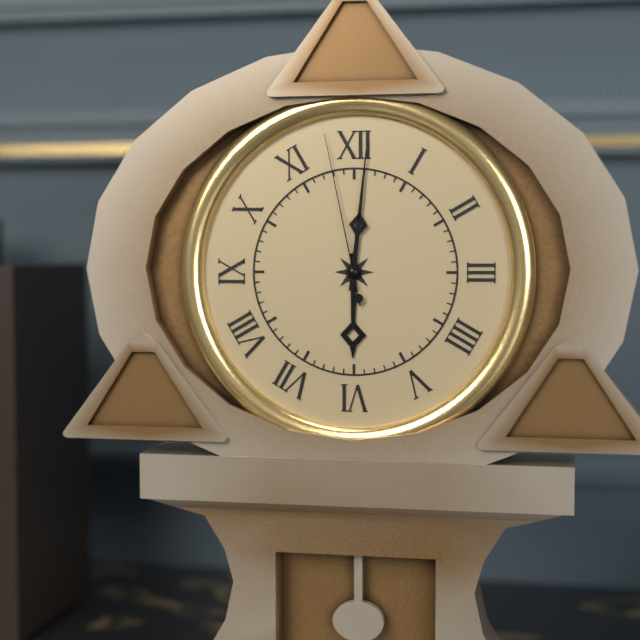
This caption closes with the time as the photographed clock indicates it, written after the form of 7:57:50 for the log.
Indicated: 6:01:58
